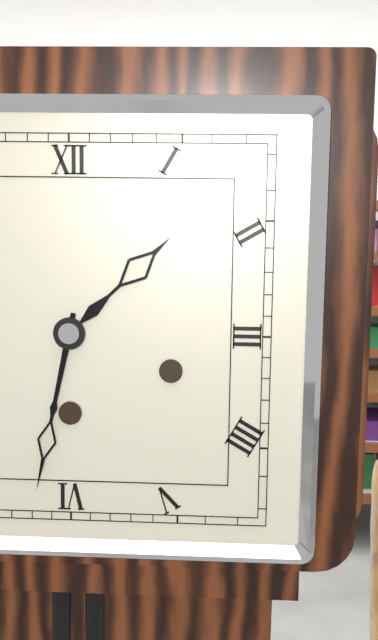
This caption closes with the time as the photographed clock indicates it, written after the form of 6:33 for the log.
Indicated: 1:32
